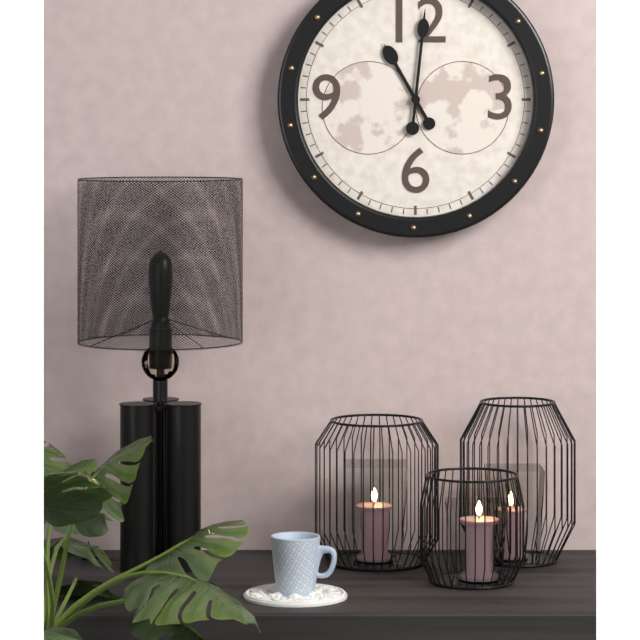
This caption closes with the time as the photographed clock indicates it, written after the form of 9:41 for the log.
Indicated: 11:01
